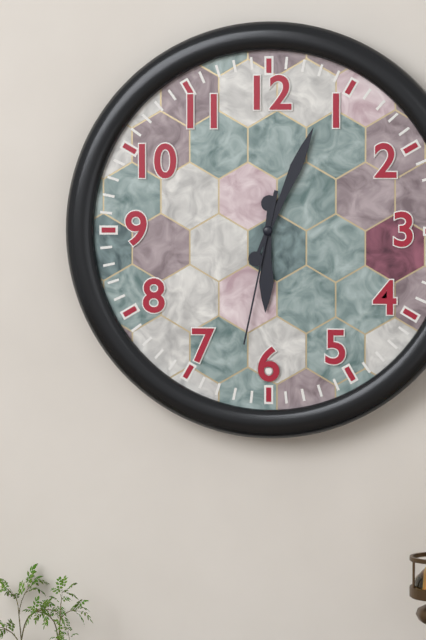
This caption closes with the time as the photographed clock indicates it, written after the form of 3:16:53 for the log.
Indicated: 6:04:32
